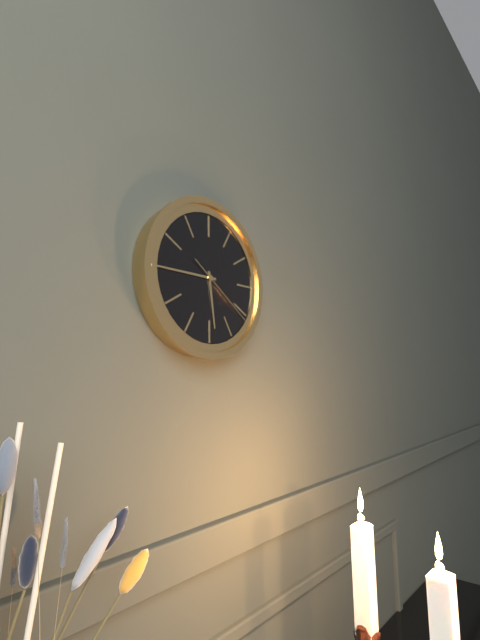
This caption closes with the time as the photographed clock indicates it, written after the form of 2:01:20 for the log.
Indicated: 5:45:21
